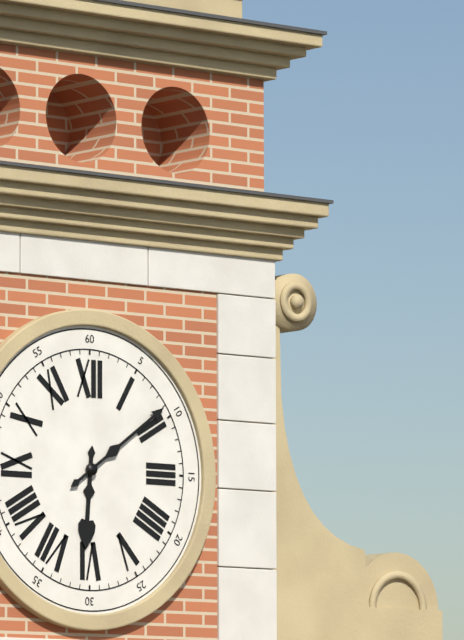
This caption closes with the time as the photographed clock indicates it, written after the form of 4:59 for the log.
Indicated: 6:09
